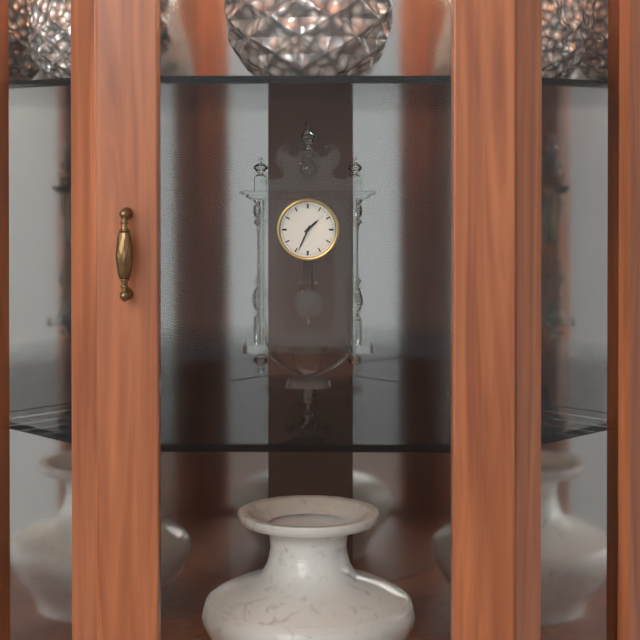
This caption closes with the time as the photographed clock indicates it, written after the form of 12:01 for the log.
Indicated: 1:34
